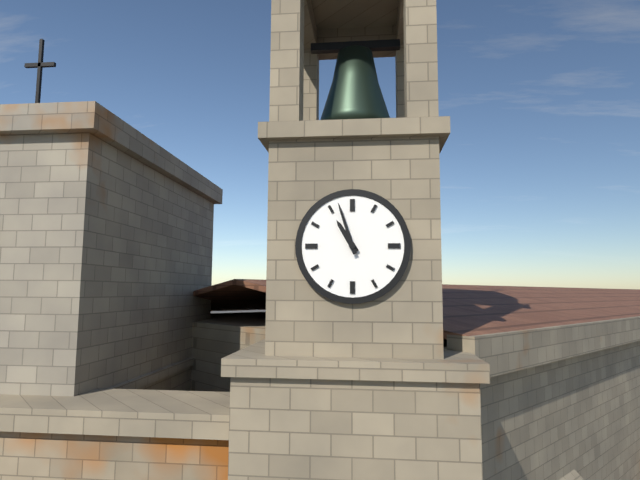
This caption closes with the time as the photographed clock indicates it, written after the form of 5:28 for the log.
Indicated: 10:57
